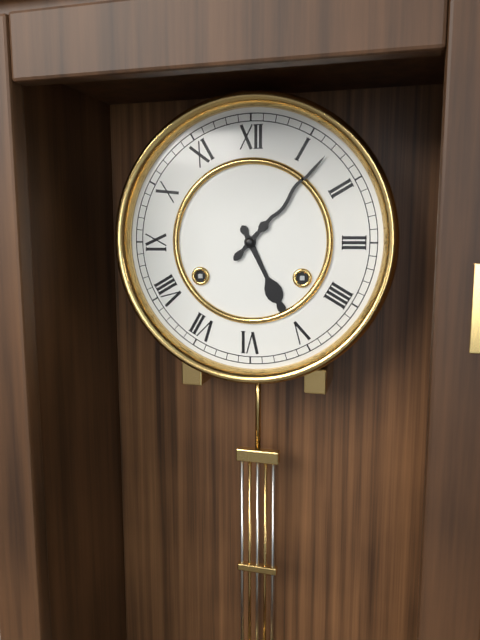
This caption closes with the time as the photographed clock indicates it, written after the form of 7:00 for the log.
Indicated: 5:07
